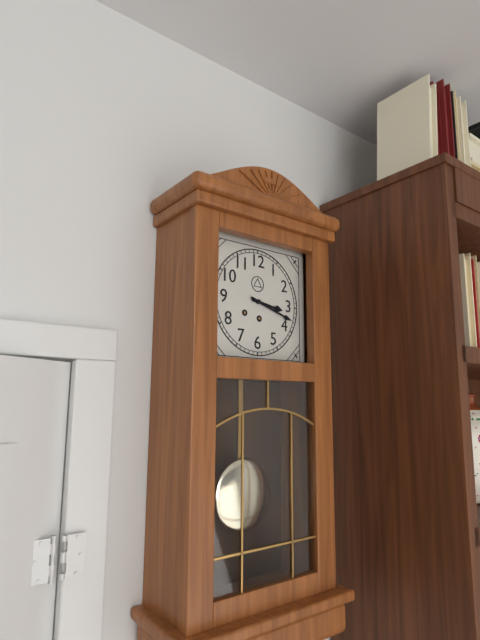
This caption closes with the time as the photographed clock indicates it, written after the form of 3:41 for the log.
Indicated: 3:18
